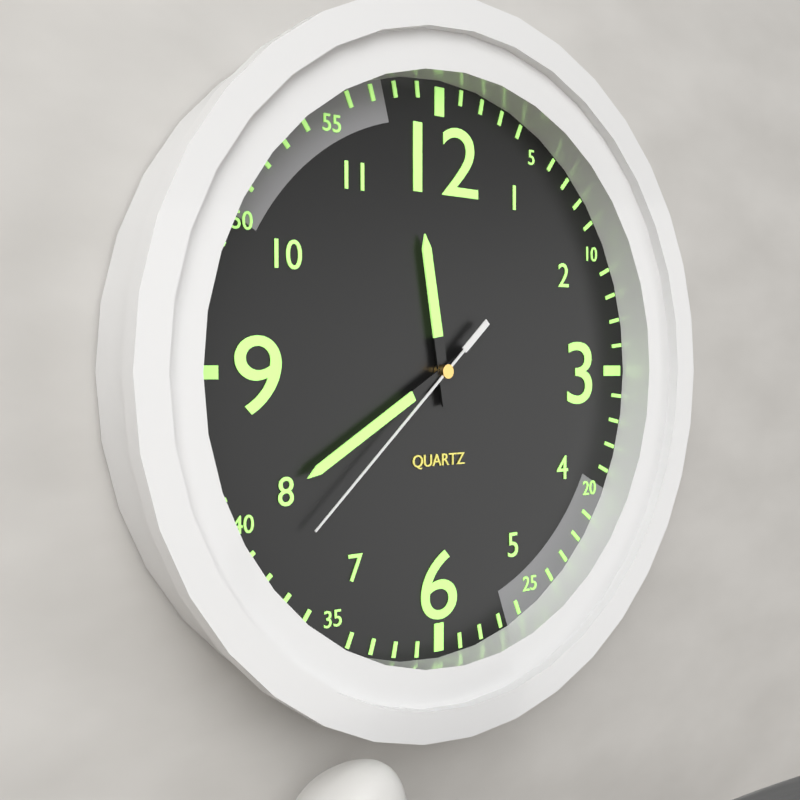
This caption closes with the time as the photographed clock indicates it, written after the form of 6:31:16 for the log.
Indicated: 11:40:38
